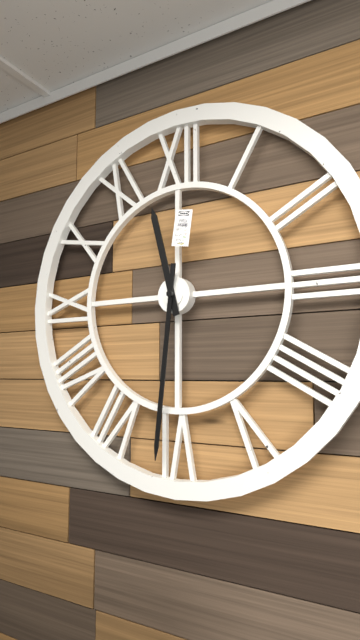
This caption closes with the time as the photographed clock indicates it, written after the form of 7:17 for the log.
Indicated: 11:31
